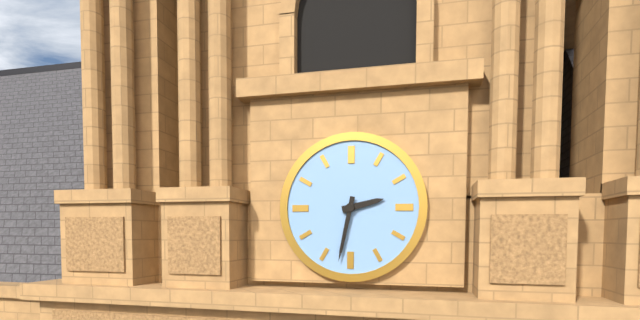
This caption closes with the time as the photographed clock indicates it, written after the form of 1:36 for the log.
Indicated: 2:32
